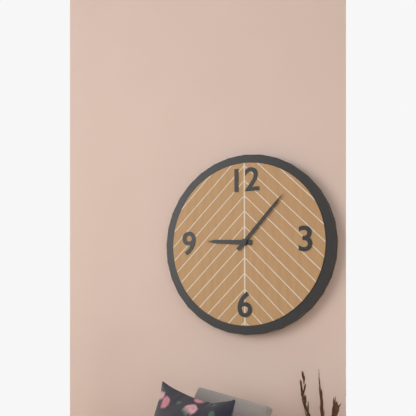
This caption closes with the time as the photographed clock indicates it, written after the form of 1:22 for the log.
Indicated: 9:07
